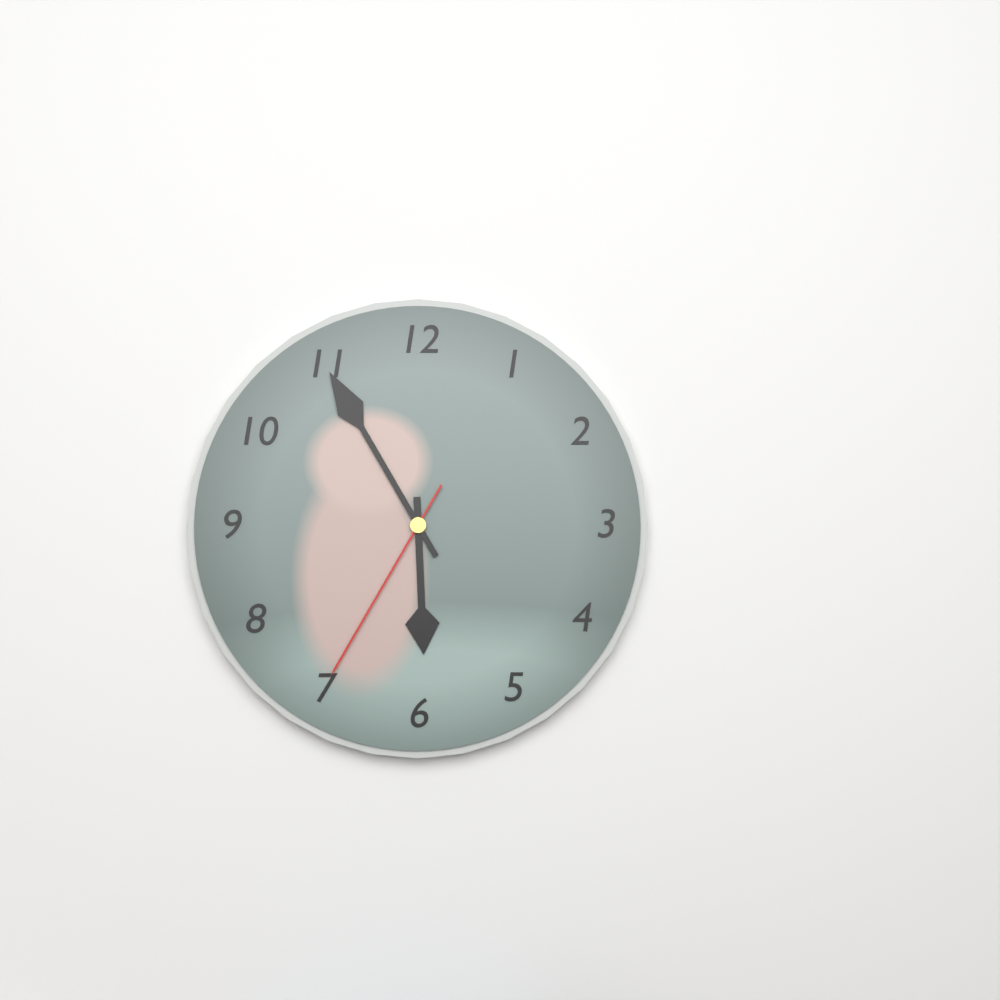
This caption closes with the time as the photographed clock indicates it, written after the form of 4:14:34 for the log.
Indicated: 5:55:35
